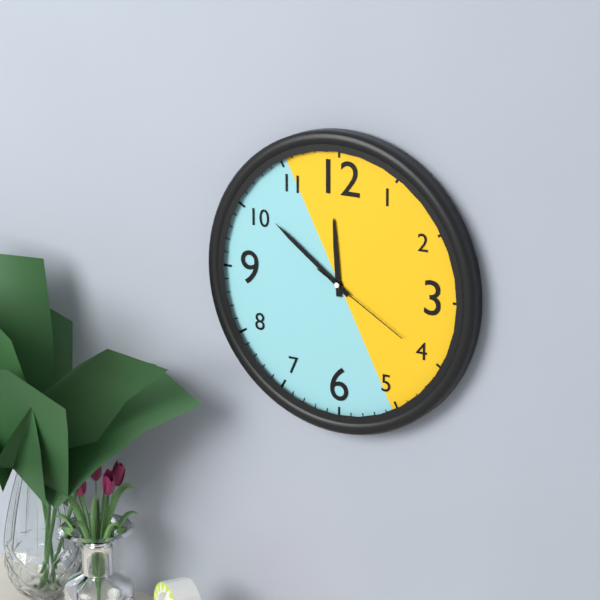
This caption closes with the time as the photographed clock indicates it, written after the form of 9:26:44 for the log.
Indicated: 11:51:20
